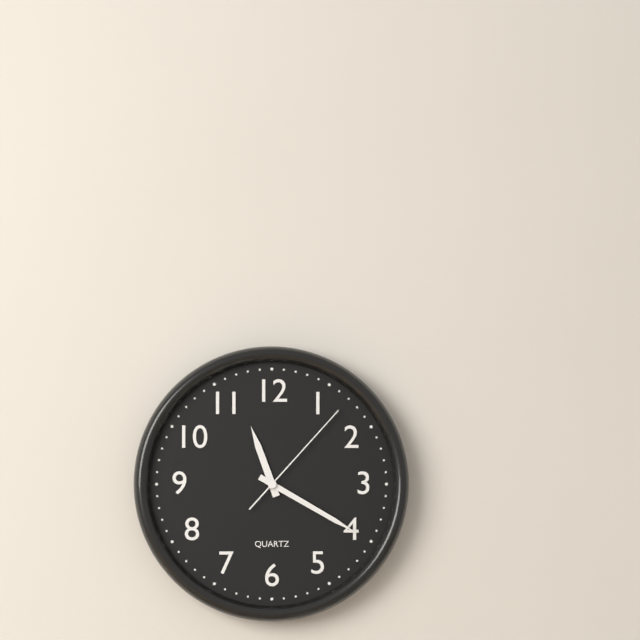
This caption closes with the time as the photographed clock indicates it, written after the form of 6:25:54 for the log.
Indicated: 11:20:07
